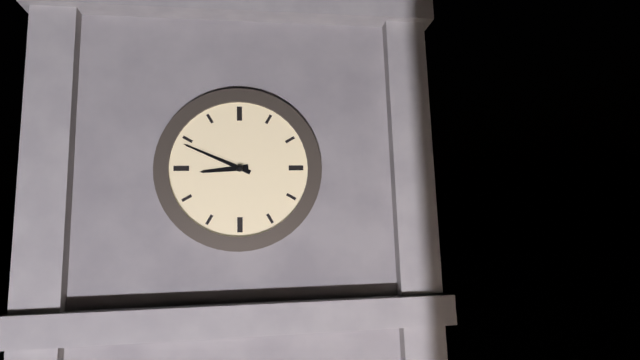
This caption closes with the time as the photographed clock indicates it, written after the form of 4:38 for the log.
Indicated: 8:49
